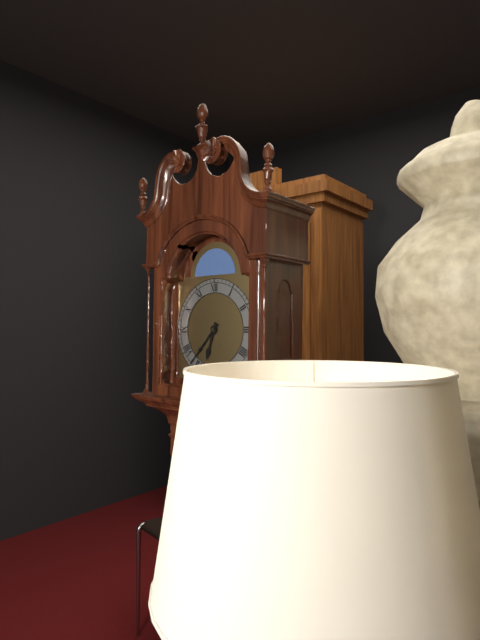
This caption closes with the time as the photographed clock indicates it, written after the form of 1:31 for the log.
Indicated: 6:37
